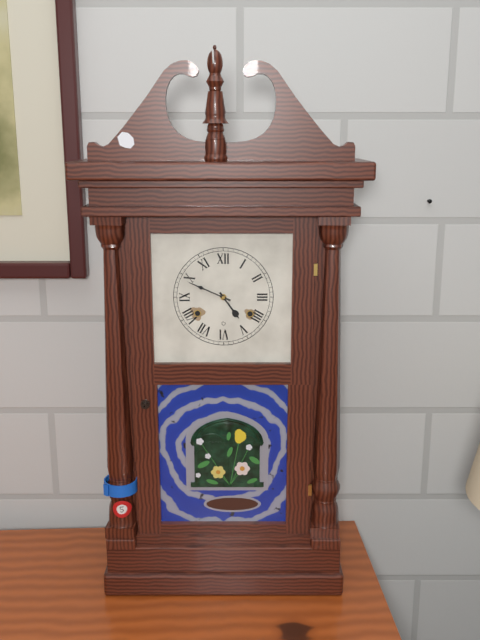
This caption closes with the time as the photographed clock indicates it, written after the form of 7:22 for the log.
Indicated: 4:49
